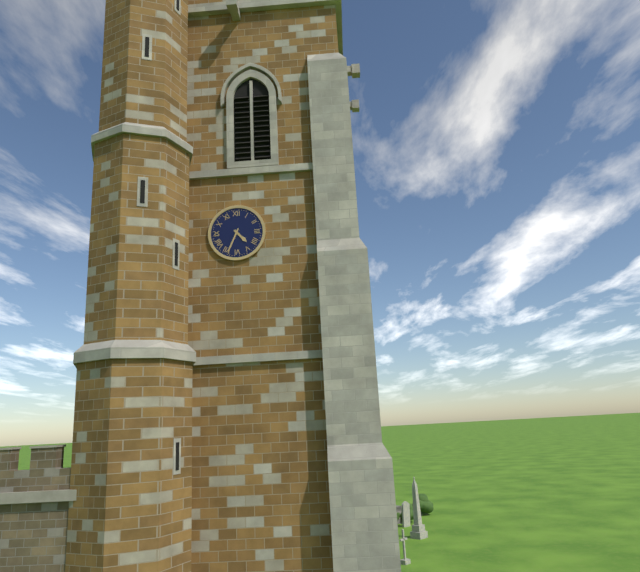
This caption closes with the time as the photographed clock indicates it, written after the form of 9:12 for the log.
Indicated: 4:34
